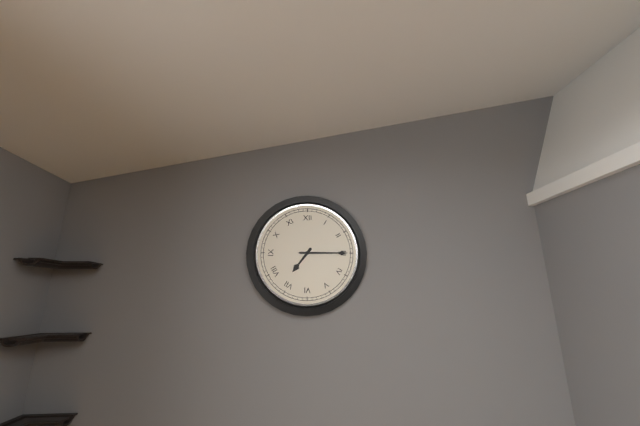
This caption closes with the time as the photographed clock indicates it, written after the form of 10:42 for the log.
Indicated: 7:15
